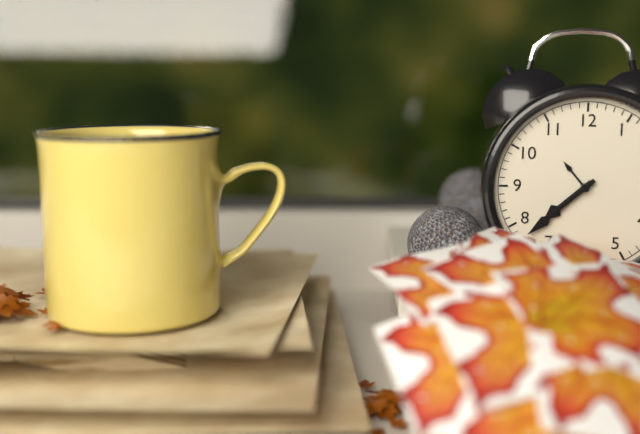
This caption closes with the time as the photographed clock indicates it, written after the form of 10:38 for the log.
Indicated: 7:38
